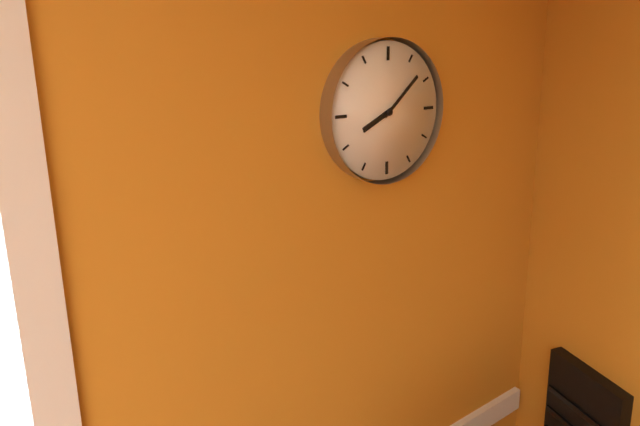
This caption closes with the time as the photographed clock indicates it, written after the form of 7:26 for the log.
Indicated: 8:08
